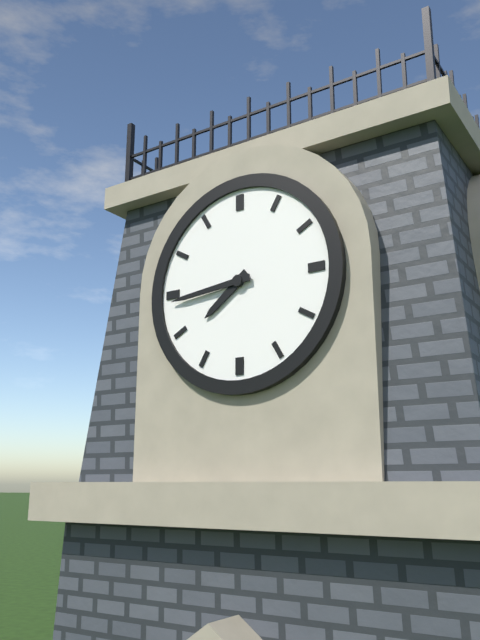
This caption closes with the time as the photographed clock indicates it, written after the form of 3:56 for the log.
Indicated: 7:44
